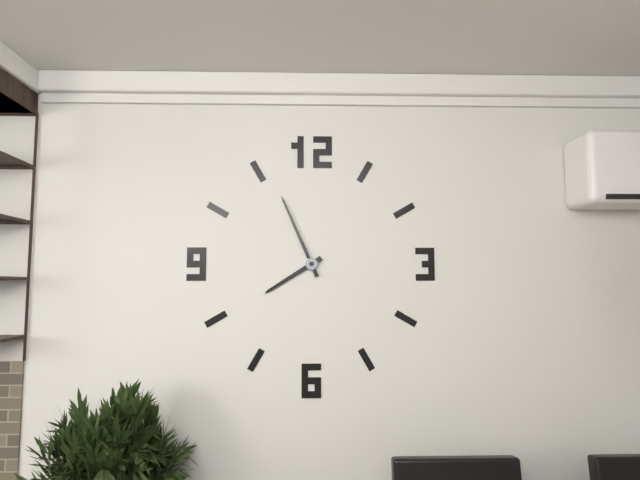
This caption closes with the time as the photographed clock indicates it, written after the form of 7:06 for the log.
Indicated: 7:56
